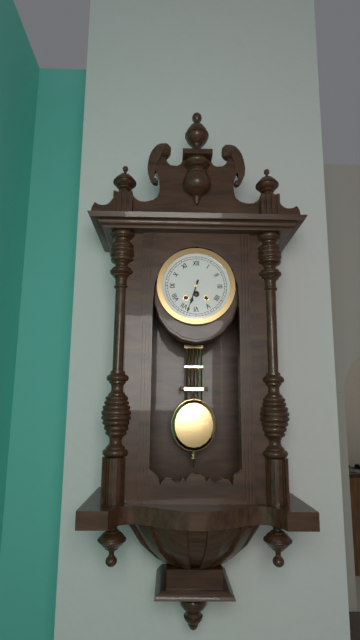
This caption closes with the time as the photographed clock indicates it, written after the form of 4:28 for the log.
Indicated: 6:33
